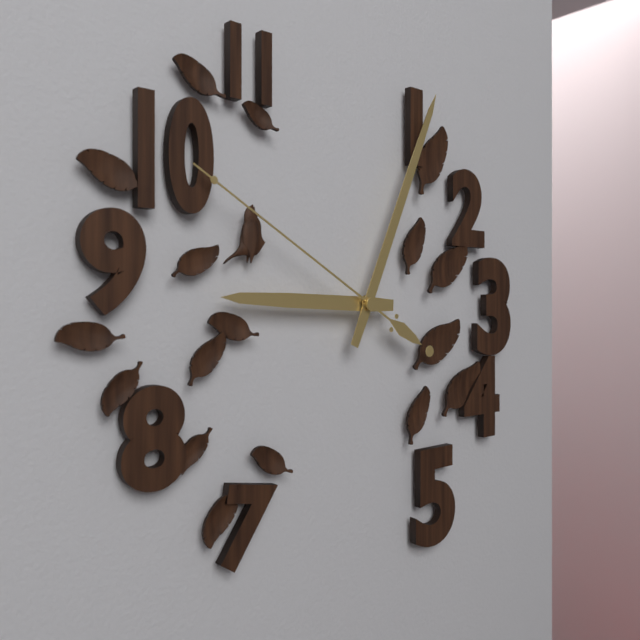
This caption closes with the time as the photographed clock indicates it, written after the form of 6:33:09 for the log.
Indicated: 9:04:50
